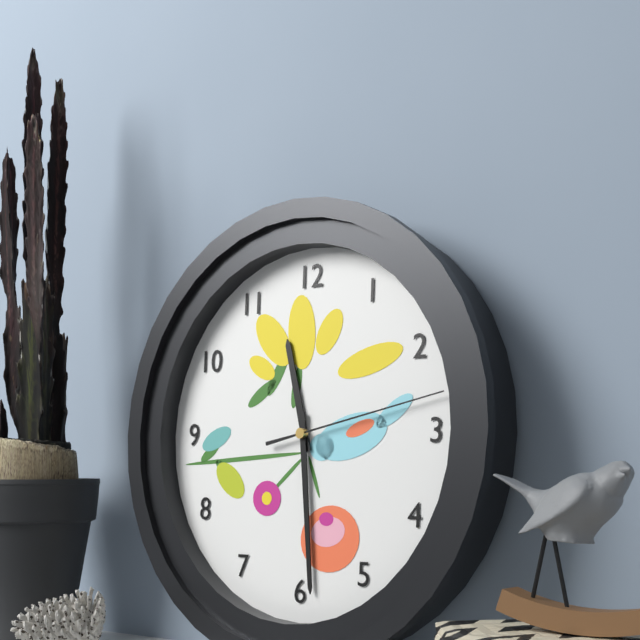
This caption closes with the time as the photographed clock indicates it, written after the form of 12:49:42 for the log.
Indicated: 11:29:13
